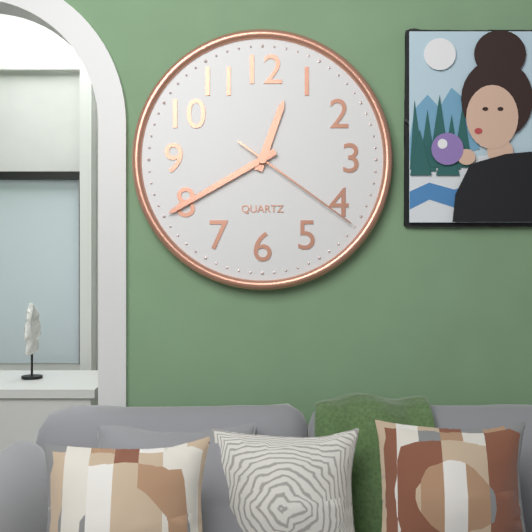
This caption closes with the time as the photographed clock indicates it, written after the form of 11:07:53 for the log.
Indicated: 12:40:21
